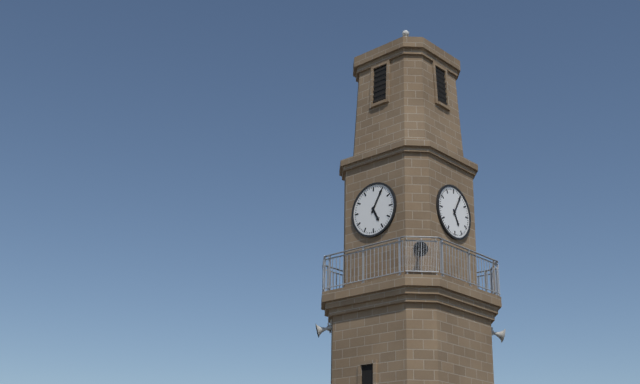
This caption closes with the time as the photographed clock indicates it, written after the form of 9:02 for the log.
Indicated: 5:05
